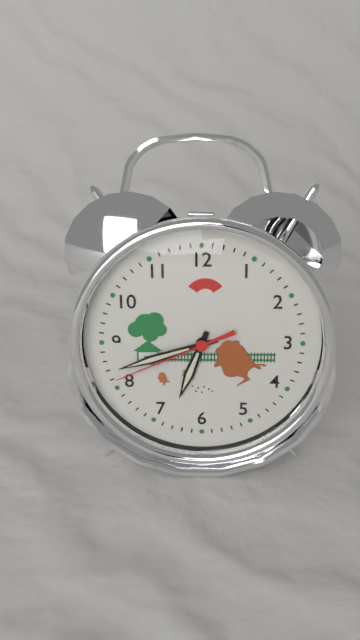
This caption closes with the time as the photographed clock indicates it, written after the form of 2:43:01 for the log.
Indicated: 6:42:41
